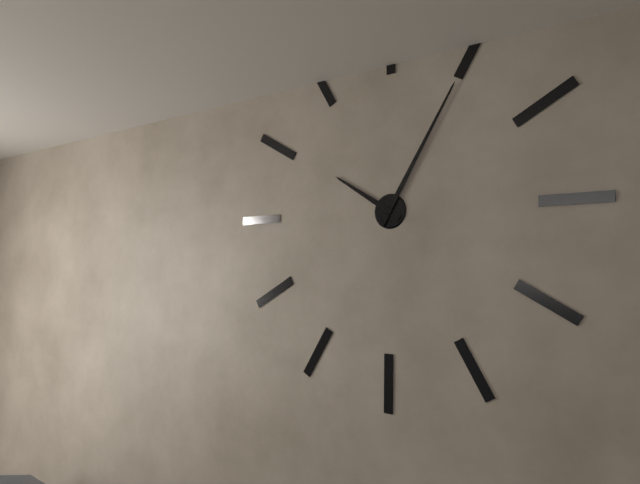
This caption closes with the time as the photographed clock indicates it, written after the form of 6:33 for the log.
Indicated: 10:05
